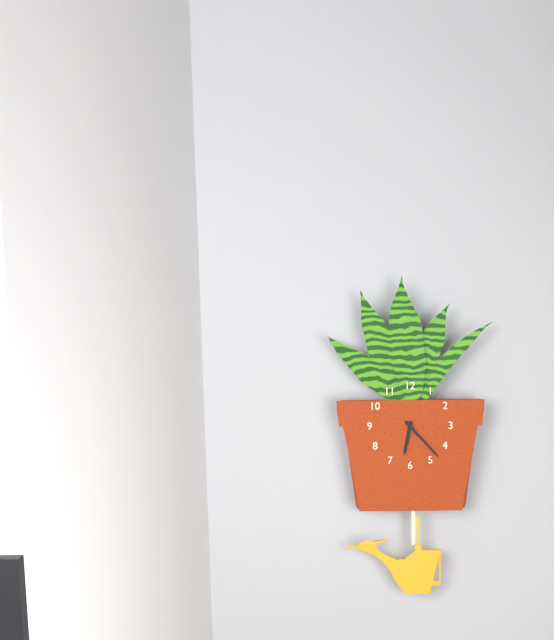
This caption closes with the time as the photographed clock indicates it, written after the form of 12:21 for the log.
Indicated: 6:23
